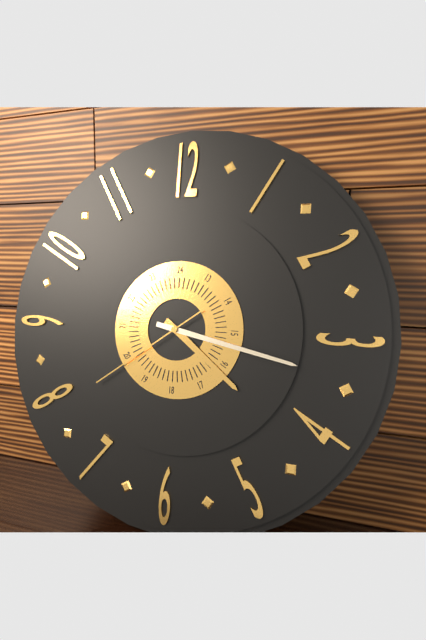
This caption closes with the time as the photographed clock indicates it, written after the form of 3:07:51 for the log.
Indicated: 4:17:39
